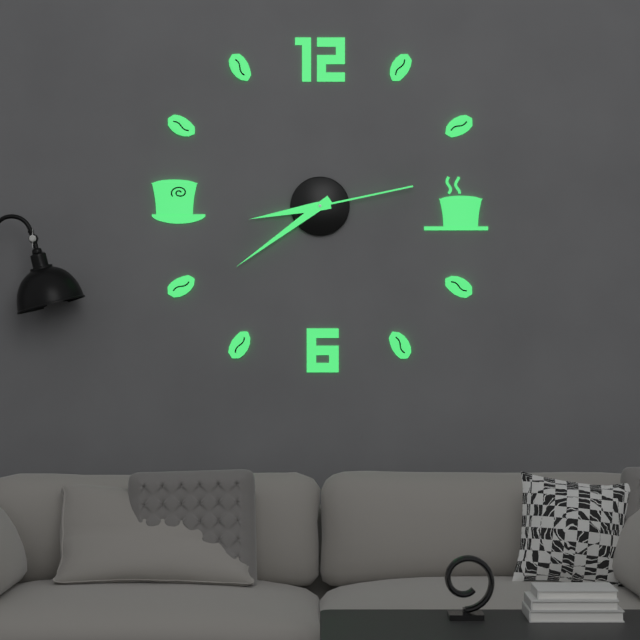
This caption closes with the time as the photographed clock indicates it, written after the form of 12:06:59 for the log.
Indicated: 8:39:13
